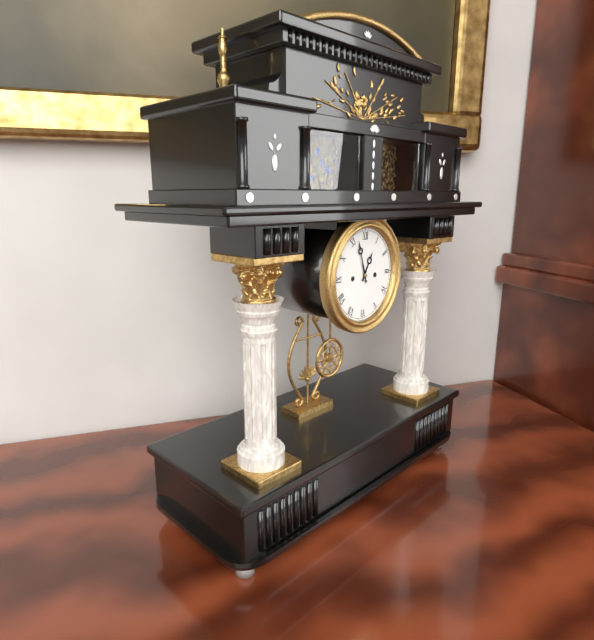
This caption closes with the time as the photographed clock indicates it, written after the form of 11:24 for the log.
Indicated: 12:57
